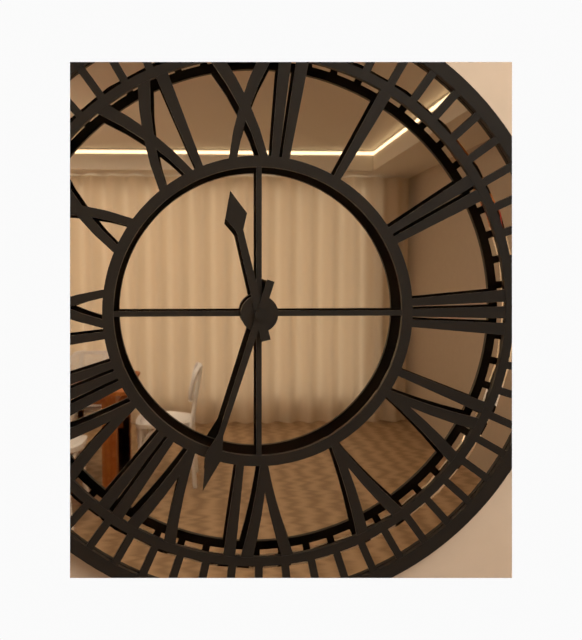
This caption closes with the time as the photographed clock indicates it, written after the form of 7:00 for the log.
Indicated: 11:33
